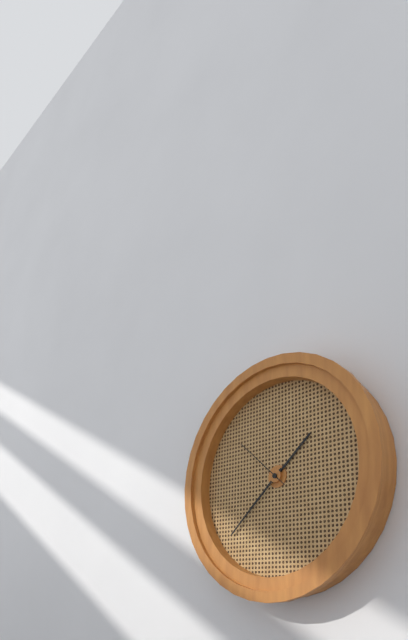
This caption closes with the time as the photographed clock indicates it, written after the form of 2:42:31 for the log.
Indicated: 1:38:52
